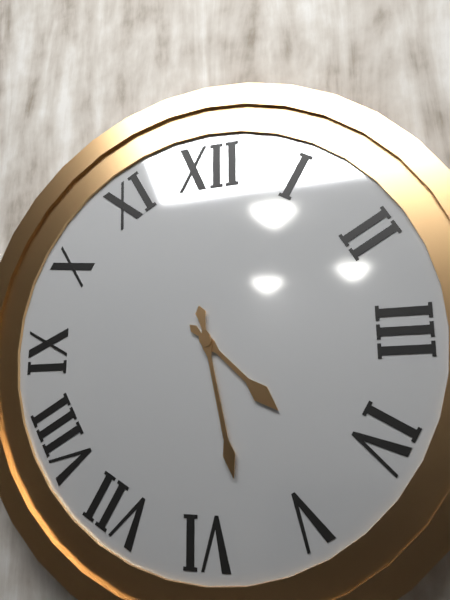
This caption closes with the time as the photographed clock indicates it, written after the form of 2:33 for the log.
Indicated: 4:28
